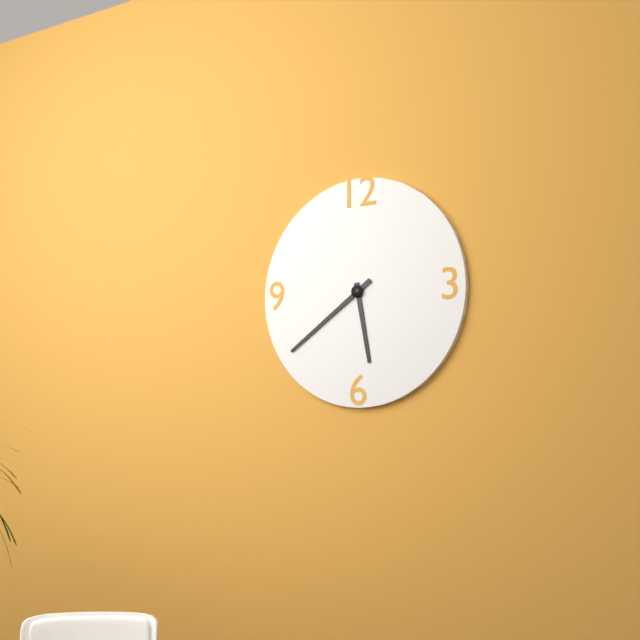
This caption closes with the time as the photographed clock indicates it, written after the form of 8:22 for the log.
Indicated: 5:39
